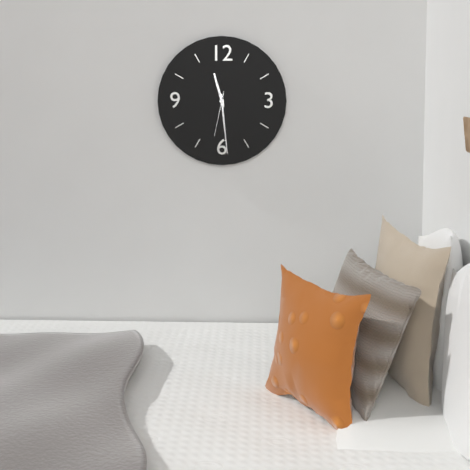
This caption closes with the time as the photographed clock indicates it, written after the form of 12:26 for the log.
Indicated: 11:29
